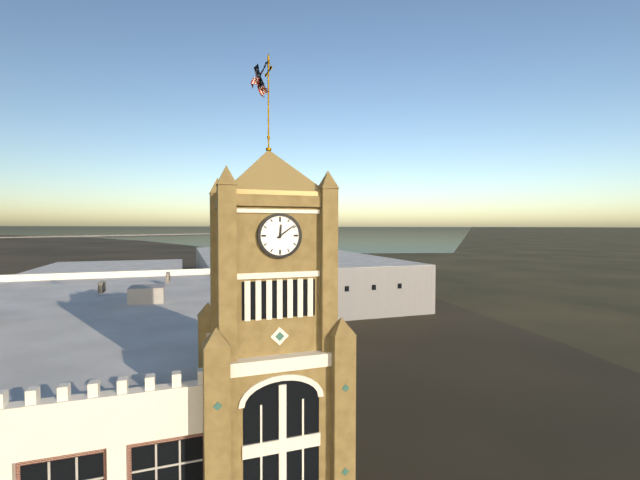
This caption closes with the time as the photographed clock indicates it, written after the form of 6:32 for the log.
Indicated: 12:09
